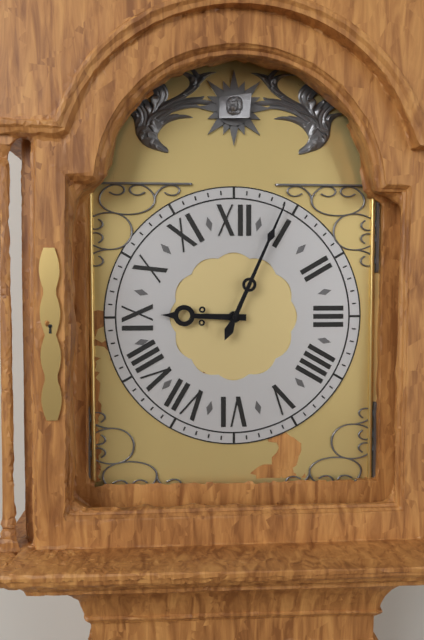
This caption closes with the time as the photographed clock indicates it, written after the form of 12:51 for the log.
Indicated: 9:04
